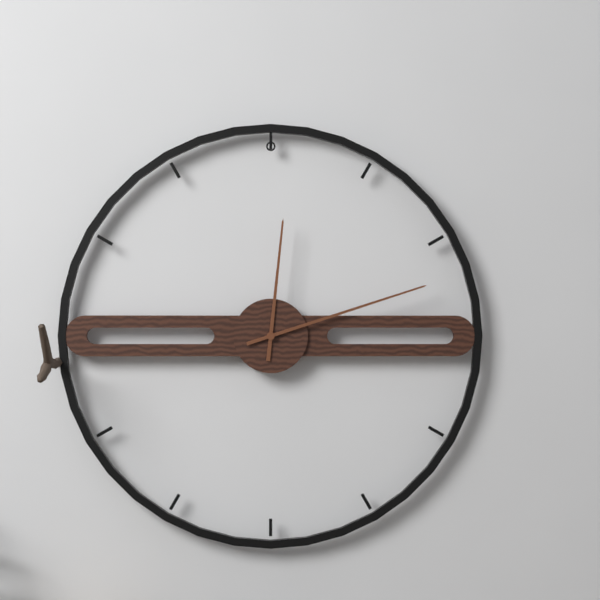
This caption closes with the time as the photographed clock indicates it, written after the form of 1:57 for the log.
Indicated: 12:12
